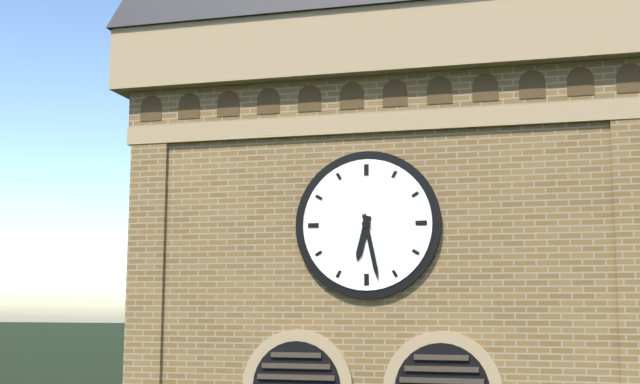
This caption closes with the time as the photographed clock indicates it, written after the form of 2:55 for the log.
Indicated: 6:28
